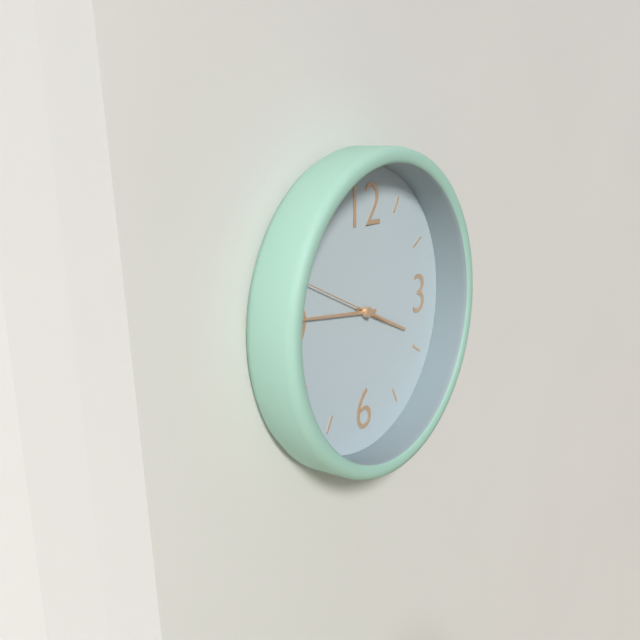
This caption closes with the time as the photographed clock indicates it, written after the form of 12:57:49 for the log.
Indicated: 3:46:49
